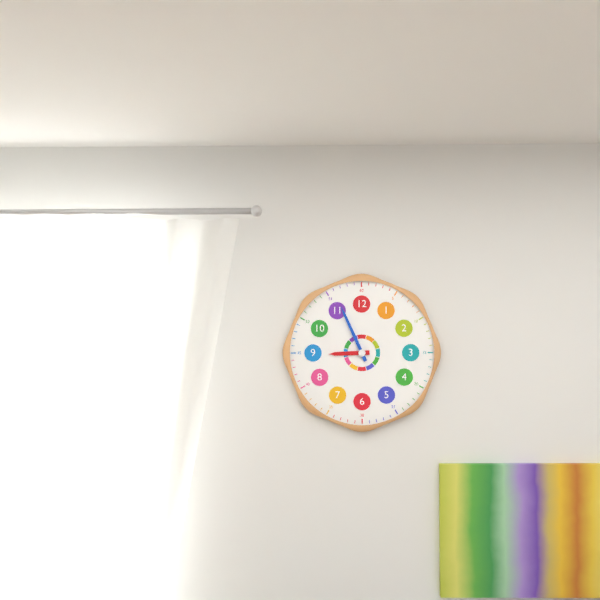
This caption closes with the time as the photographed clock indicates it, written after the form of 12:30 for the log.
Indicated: 8:56
